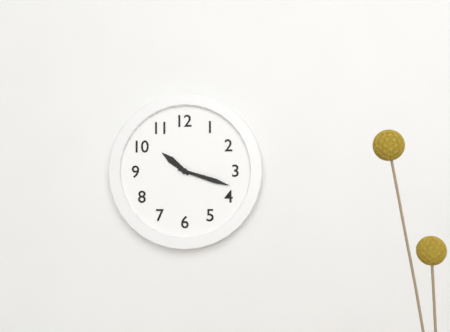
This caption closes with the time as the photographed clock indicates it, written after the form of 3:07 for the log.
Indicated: 10:18
